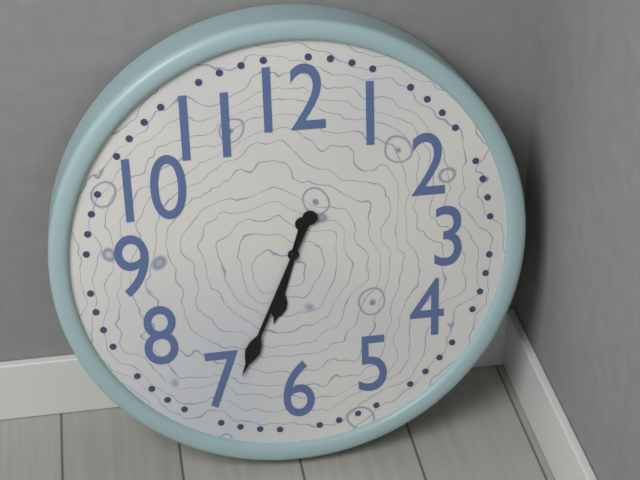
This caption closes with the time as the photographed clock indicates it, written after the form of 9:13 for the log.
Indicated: 6:34
